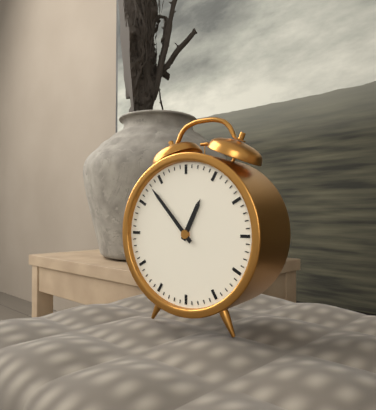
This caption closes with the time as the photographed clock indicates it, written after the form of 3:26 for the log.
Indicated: 12:53
